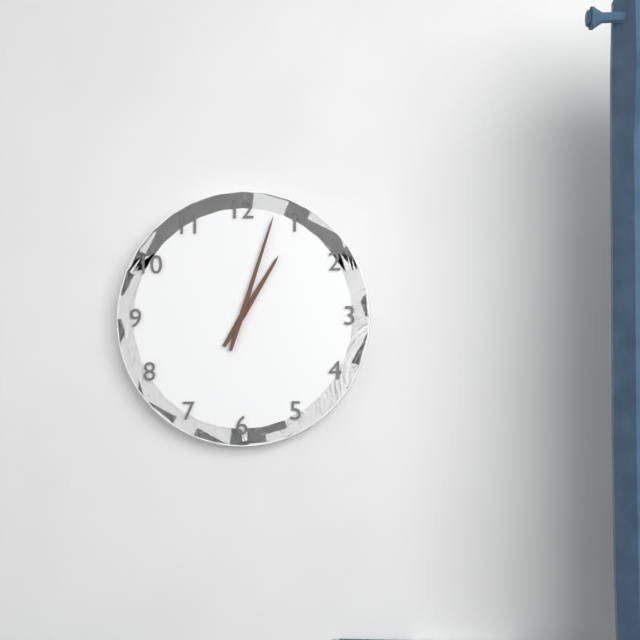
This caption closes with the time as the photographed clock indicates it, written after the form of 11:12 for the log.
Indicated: 1:03
